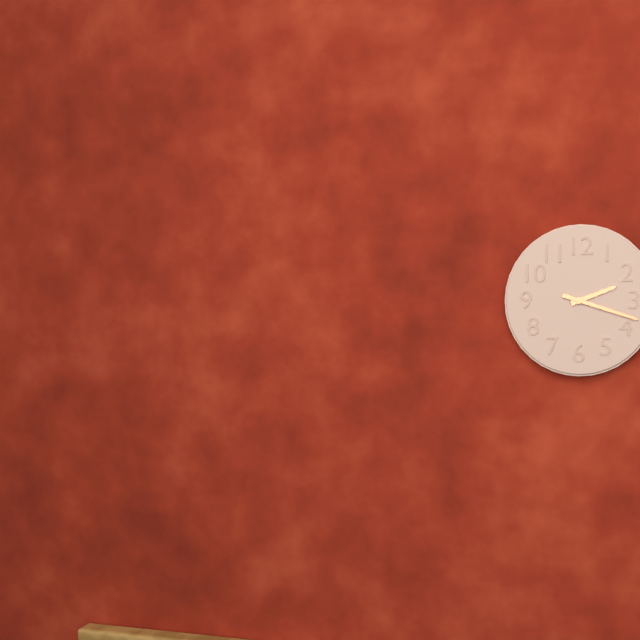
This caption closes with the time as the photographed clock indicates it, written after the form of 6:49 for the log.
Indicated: 2:18
